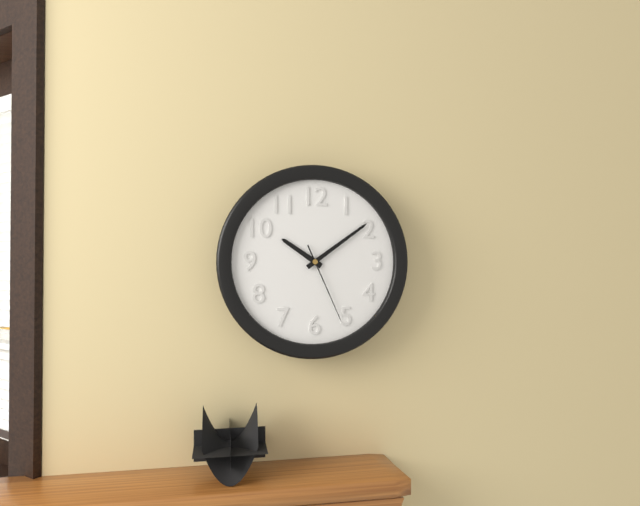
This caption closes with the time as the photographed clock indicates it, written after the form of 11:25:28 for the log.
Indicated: 10:09:26
